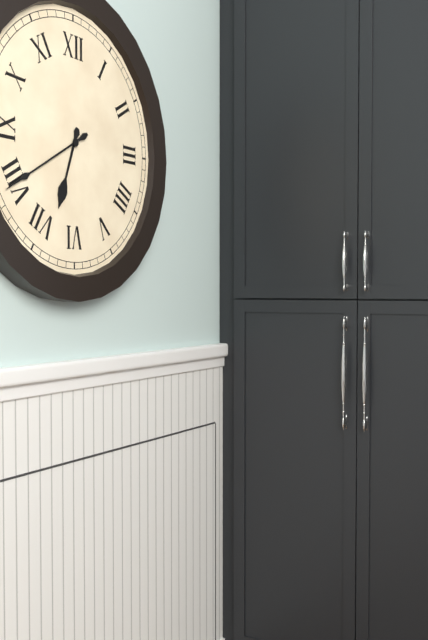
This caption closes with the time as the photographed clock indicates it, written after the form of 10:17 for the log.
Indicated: 6:40
